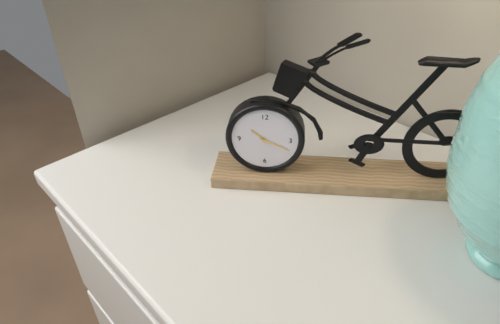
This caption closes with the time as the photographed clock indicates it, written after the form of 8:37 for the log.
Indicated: 10:19
